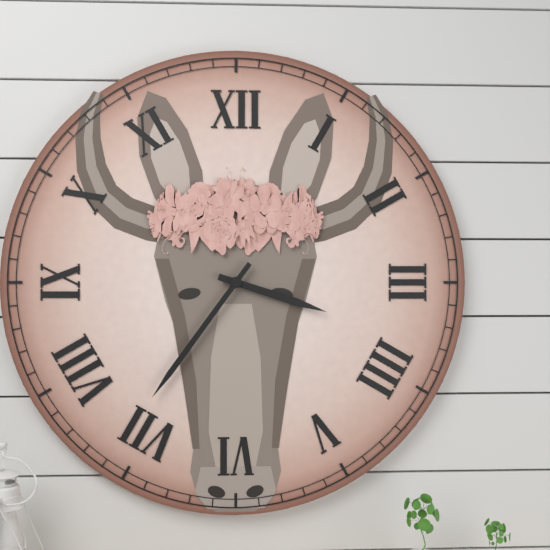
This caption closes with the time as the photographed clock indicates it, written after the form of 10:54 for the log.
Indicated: 3:36
